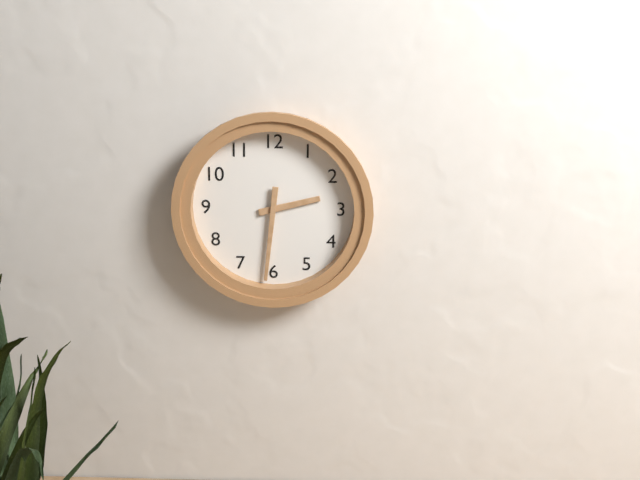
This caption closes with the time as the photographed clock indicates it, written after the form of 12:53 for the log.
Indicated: 2:31
